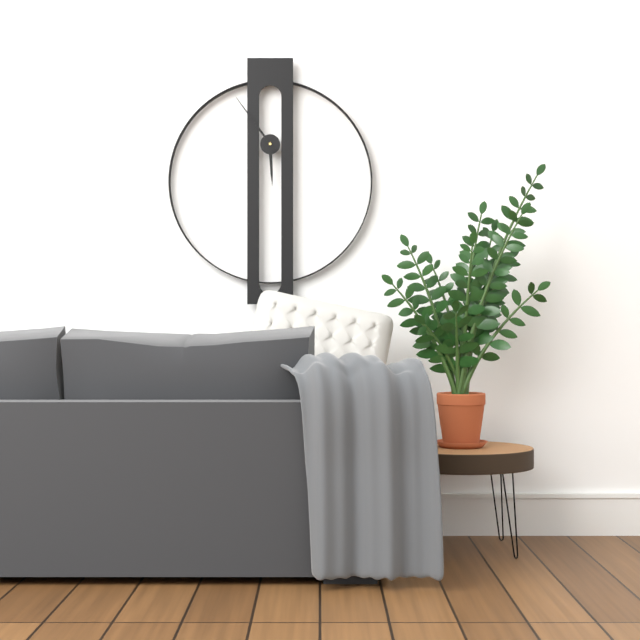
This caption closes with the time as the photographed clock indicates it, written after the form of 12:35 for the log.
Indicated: 5:54
